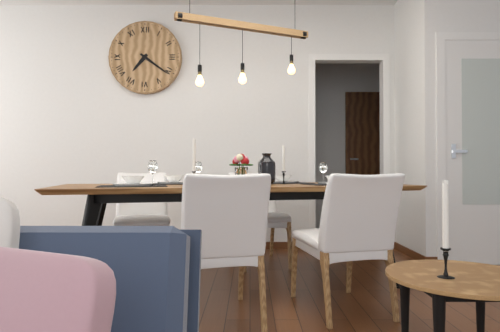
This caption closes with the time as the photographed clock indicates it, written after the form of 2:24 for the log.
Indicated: 7:21
